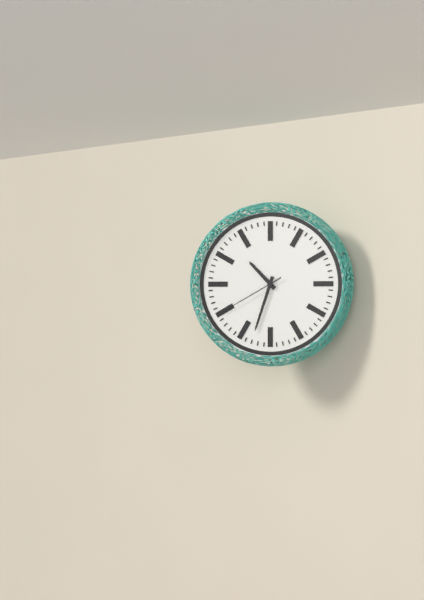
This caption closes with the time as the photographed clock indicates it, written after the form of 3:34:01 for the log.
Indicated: 10:33:40
